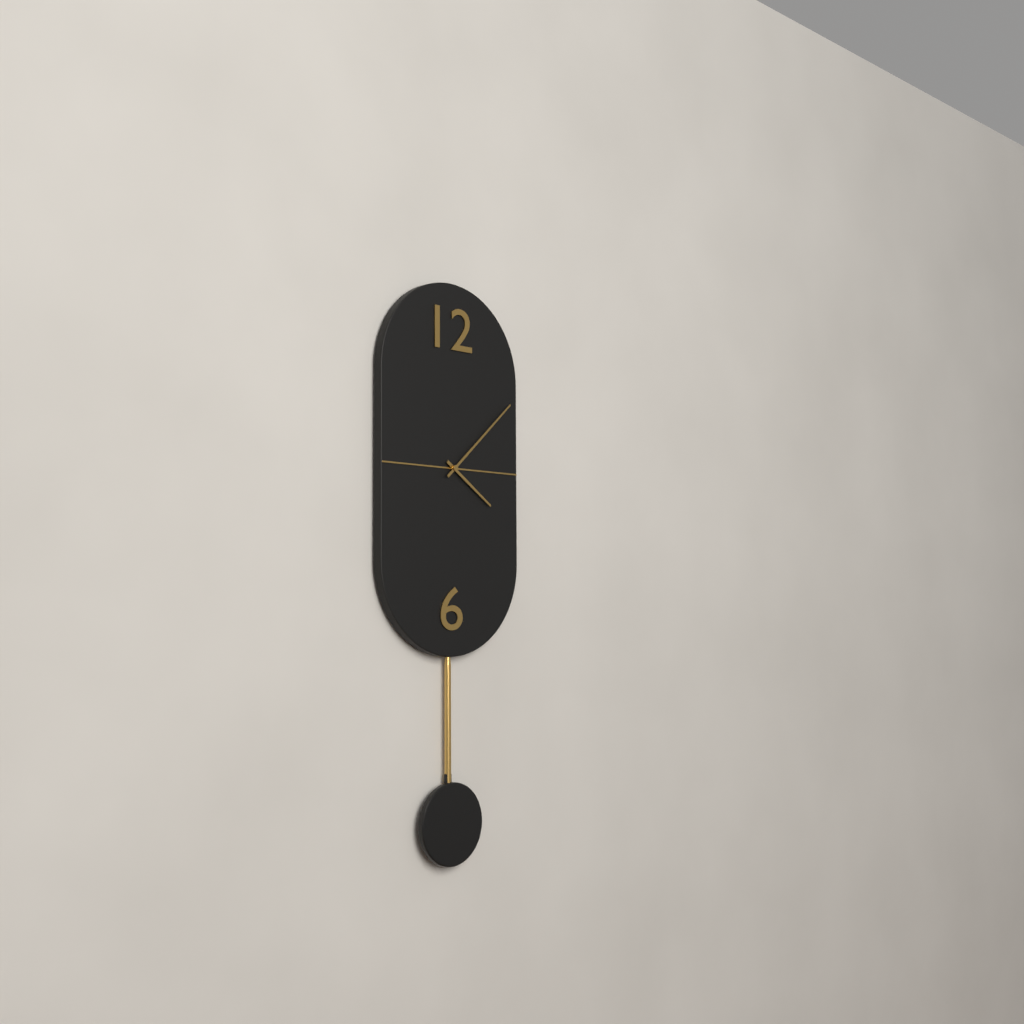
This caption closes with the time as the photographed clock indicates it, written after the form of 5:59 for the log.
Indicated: 4:08
